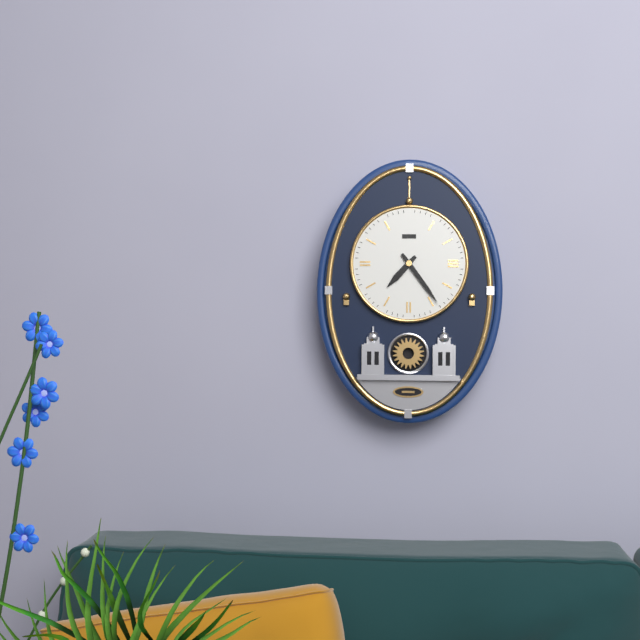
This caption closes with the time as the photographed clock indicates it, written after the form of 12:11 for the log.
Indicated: 7:24
